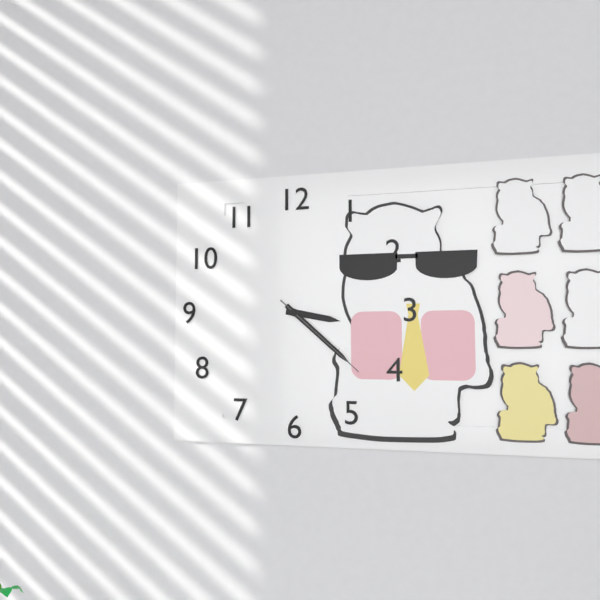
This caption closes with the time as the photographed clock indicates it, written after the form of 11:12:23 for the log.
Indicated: 3:22:22
